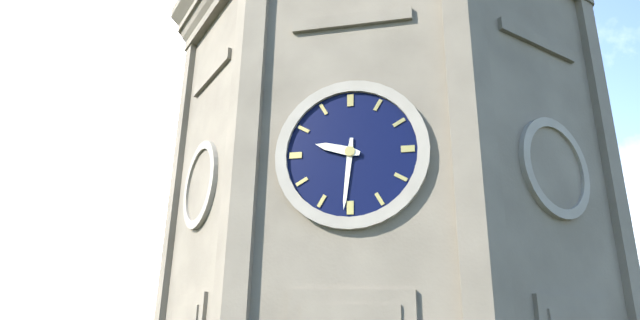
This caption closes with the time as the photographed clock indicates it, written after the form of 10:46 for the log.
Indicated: 9:31
